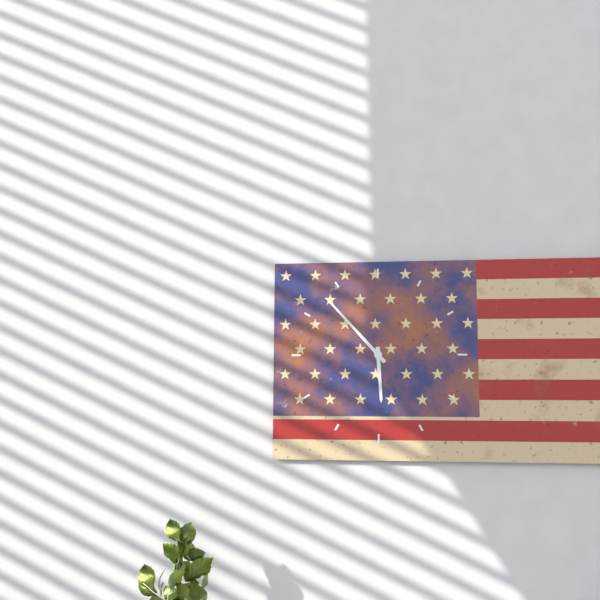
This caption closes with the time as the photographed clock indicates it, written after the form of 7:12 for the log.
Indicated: 5:53
